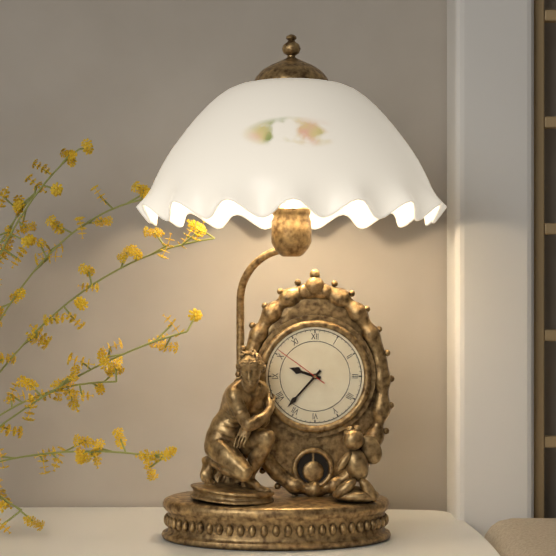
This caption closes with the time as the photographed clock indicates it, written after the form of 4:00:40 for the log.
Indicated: 9:37:51
